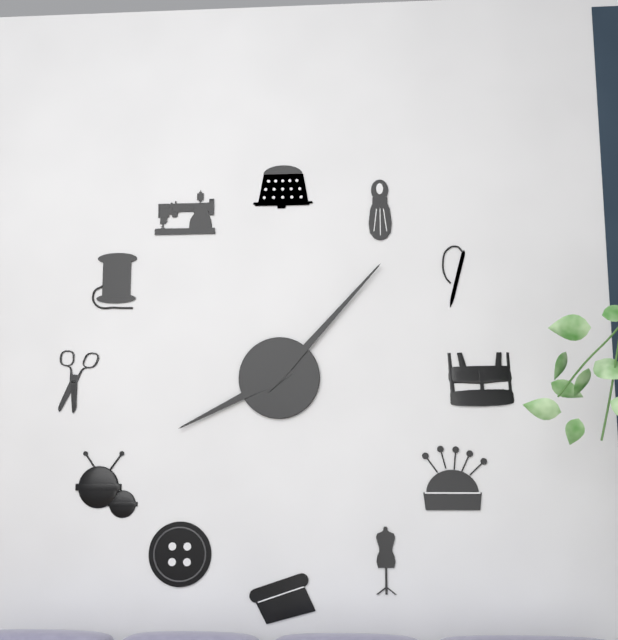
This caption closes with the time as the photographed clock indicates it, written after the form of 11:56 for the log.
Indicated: 8:07
